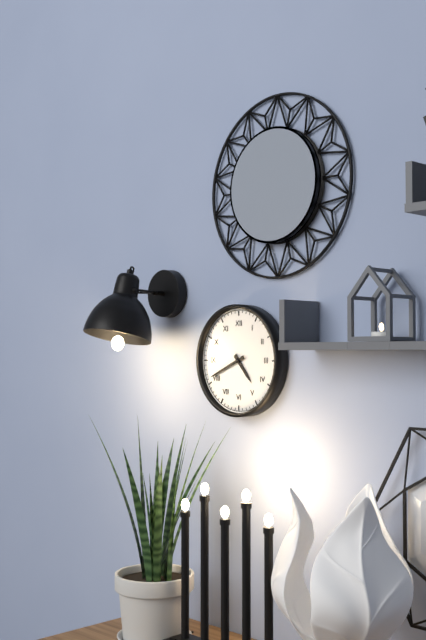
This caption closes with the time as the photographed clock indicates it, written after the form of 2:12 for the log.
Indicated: 4:41
